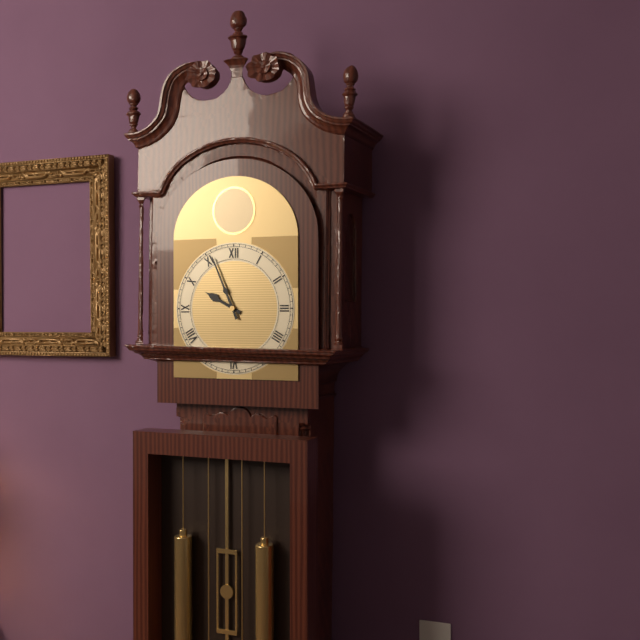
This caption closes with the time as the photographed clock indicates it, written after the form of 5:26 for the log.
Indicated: 9:56
